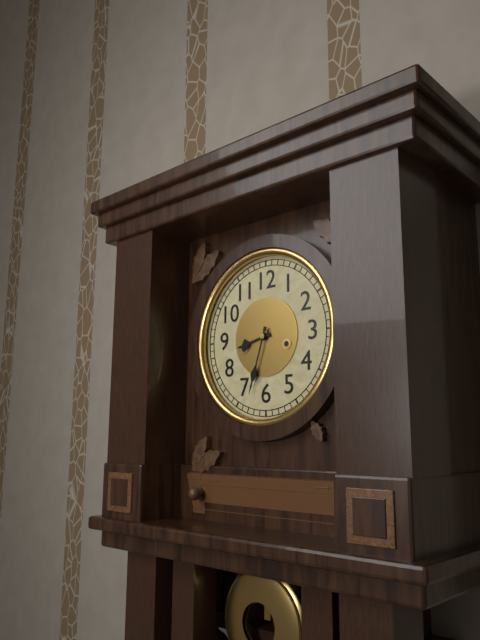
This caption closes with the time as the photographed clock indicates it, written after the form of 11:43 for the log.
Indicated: 8:33
